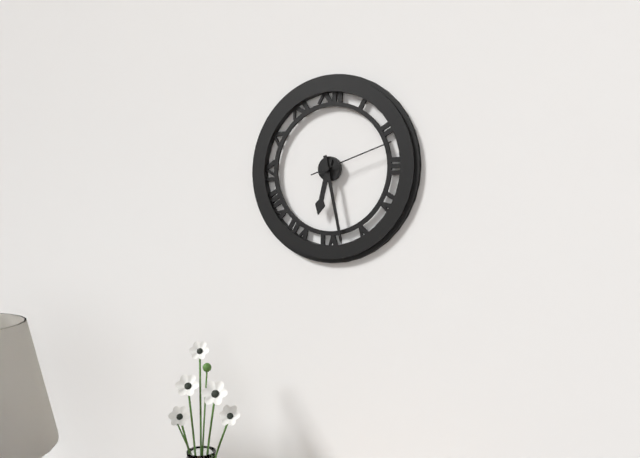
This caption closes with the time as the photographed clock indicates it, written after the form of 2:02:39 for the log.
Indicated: 6:28:12
